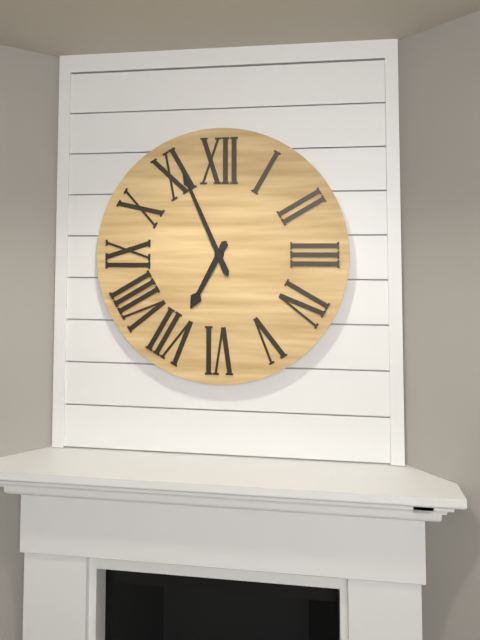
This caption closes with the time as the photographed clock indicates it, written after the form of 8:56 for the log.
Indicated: 6:56
